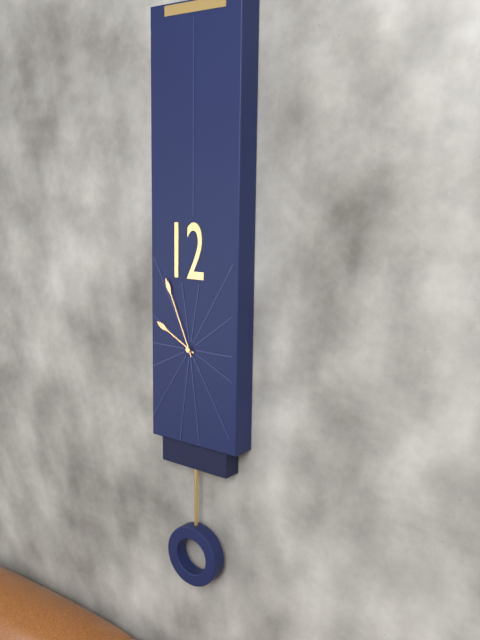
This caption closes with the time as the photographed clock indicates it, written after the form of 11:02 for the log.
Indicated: 9:56
